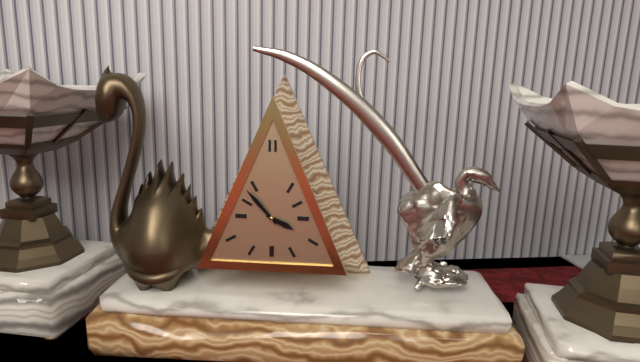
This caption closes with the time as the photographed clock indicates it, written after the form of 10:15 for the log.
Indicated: 3:53
